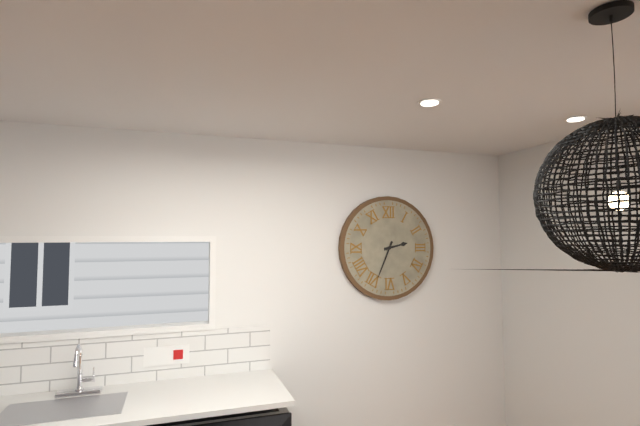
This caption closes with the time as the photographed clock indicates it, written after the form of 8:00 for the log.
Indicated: 2:34
